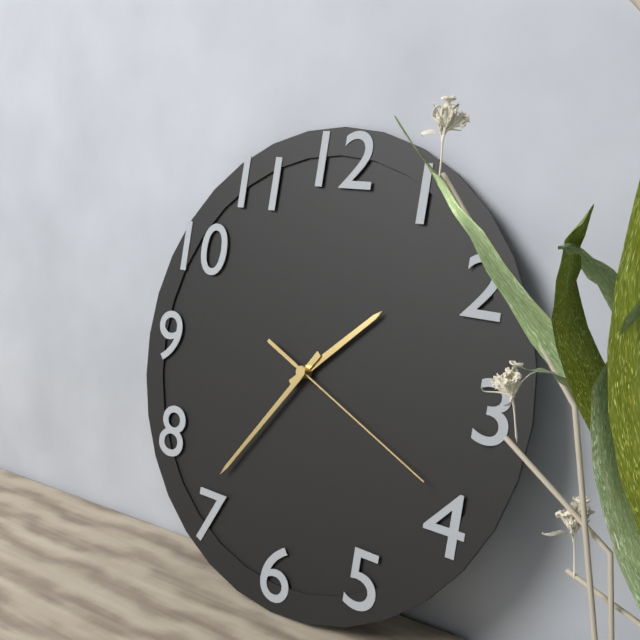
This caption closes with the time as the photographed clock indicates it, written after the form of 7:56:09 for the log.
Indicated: 1:36:19
